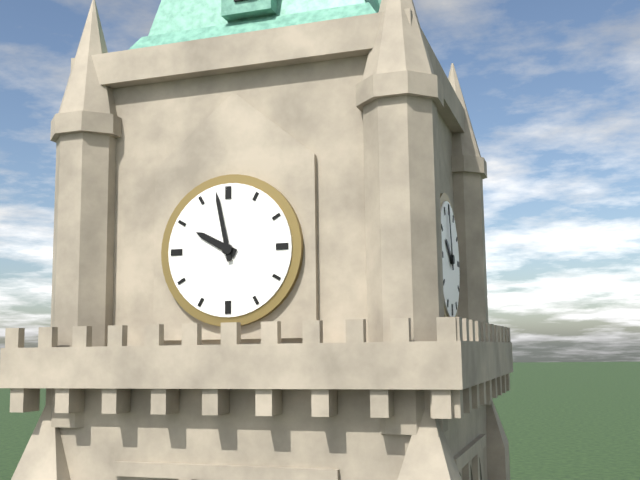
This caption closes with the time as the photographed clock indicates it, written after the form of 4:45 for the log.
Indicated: 9:58
